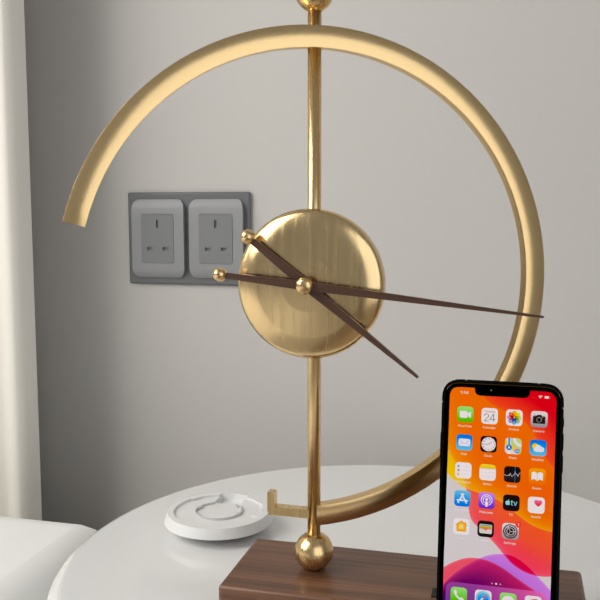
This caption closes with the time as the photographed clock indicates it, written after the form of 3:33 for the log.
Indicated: 4:16
